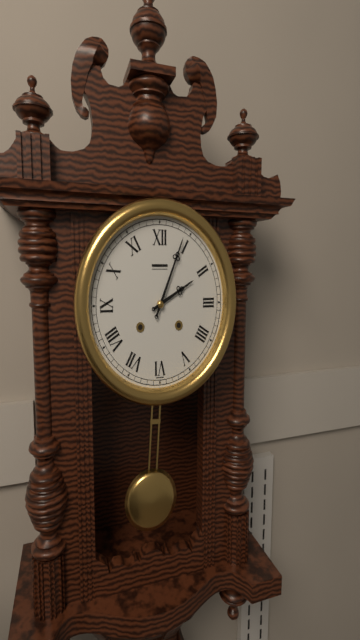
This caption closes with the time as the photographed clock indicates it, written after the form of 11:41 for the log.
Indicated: 2:04
